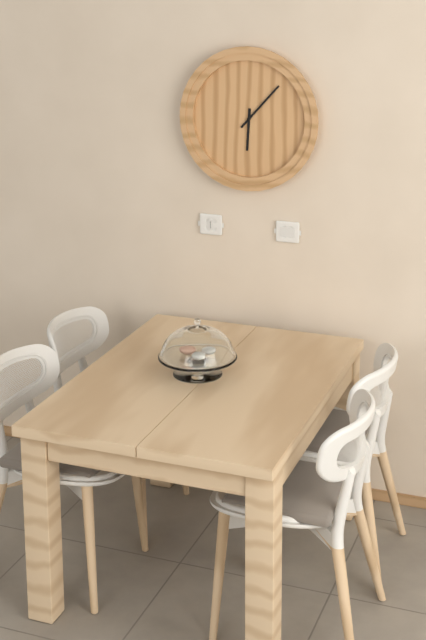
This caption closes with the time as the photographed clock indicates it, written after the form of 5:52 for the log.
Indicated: 6:07
